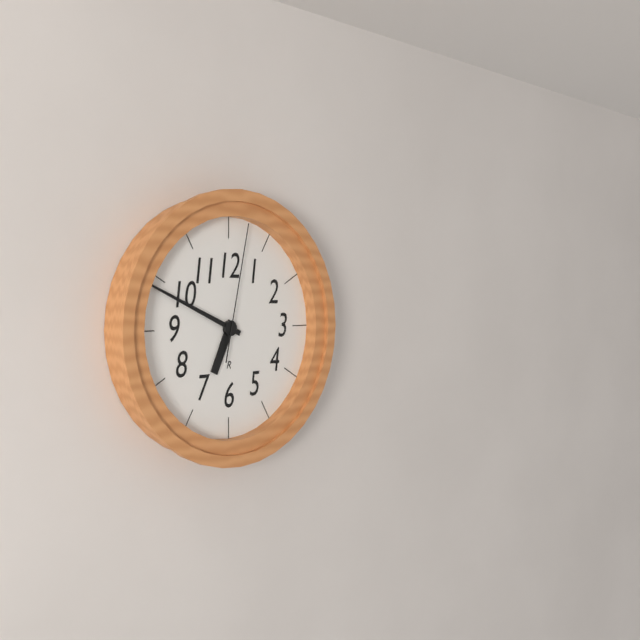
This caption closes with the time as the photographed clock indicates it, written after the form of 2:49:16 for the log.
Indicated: 6:49:02
